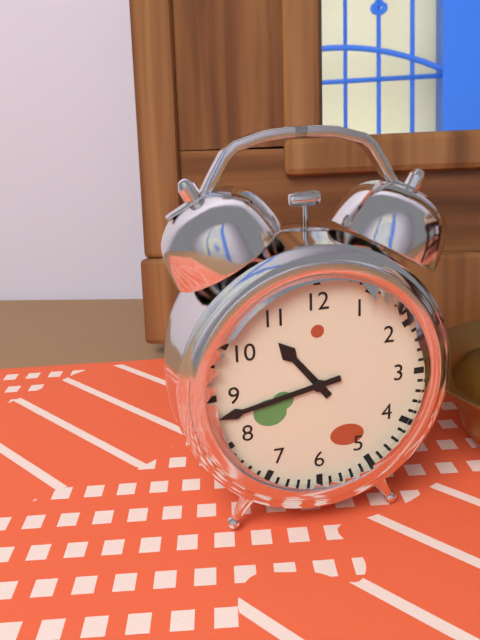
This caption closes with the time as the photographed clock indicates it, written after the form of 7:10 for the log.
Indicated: 10:43
